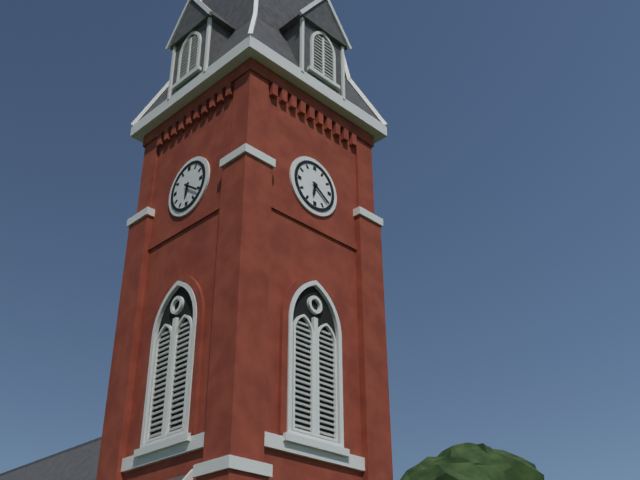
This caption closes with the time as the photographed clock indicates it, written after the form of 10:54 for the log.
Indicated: 6:21
